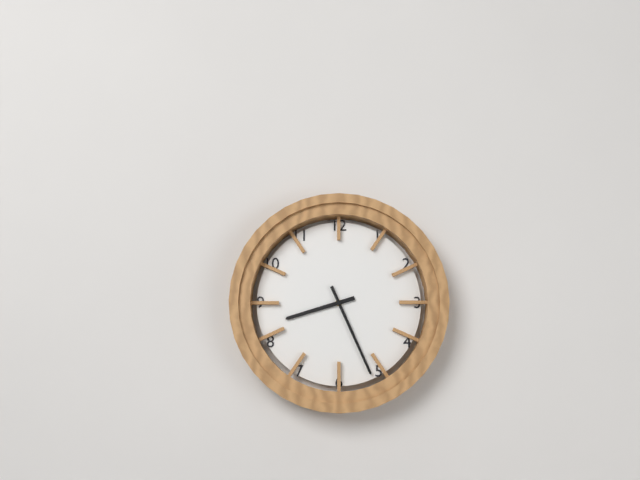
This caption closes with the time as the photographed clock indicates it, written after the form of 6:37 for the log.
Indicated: 8:26
